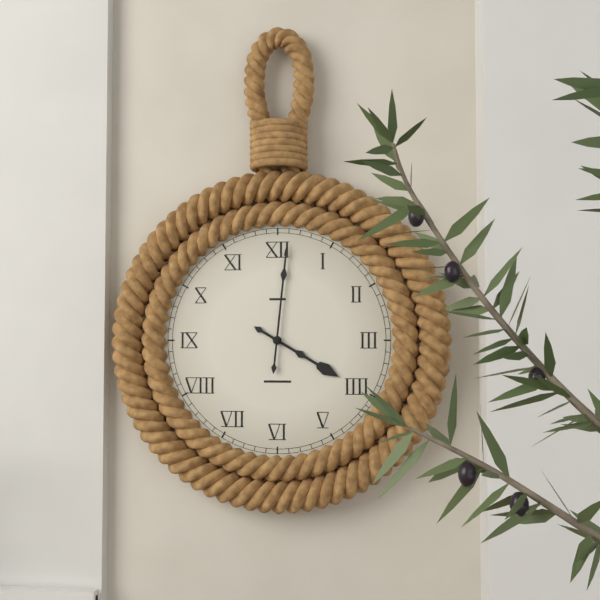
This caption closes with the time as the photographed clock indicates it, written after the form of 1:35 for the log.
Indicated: 4:01
